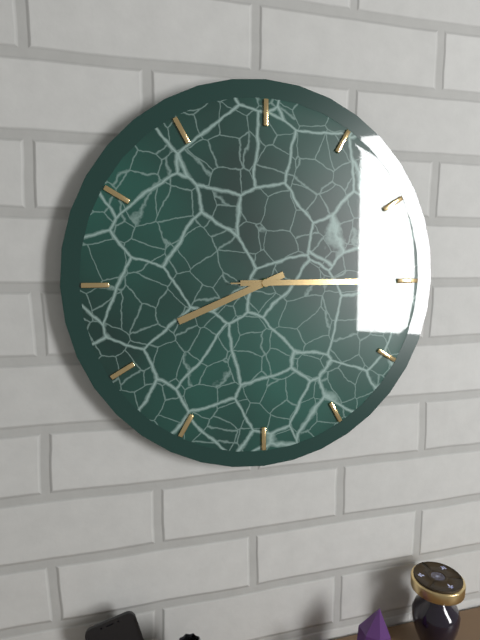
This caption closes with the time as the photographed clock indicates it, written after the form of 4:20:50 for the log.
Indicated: 8:15:15
